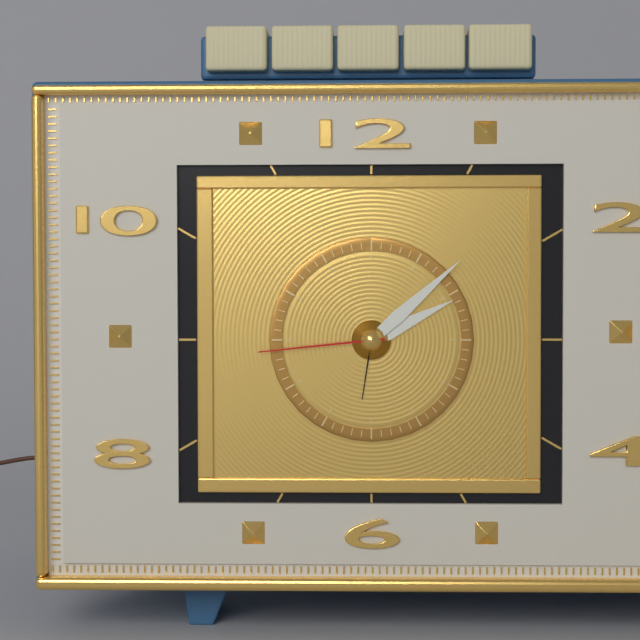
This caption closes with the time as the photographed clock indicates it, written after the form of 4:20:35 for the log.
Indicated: 2:08:44
